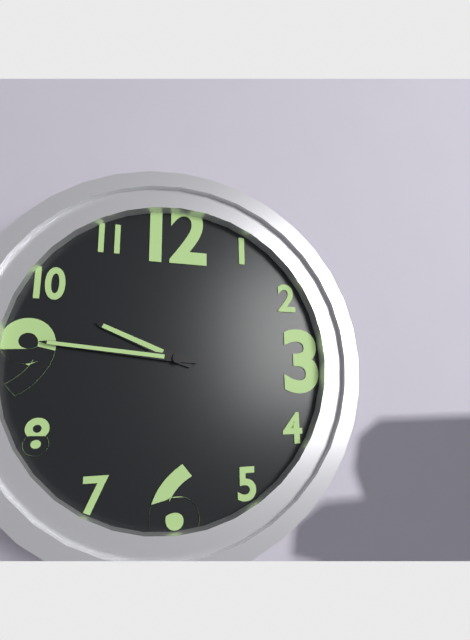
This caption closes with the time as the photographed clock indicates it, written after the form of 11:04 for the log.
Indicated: 9:46
